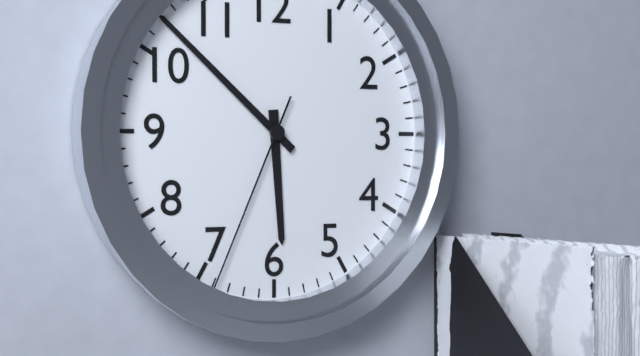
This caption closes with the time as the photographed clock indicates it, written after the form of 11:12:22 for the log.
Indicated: 5:52:34
